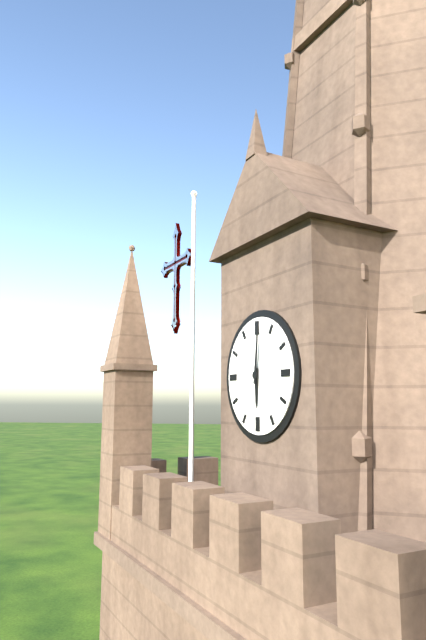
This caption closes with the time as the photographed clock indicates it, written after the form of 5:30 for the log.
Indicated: 6:01
